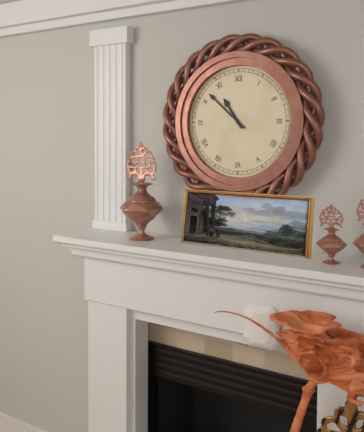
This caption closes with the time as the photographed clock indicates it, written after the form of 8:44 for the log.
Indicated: 10:52
